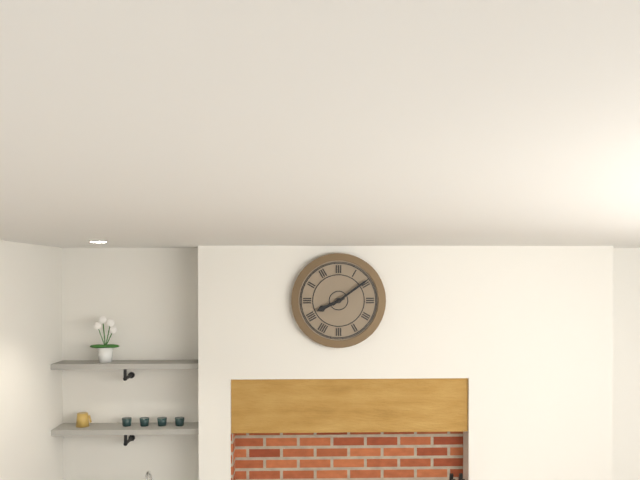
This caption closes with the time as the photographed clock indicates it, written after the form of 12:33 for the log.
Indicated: 8:09
